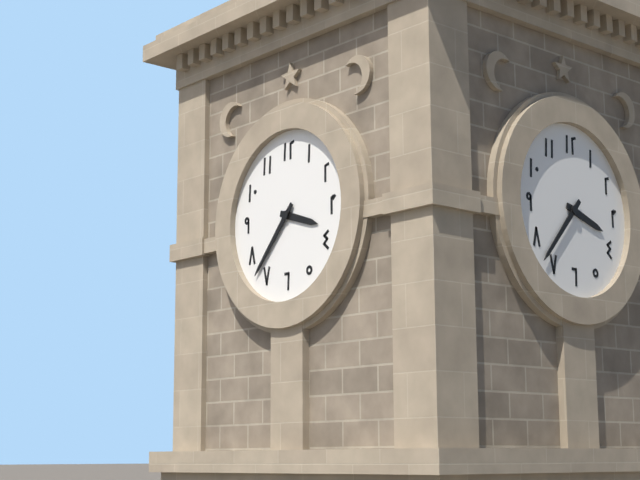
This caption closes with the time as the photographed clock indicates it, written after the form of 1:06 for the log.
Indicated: 3:37
